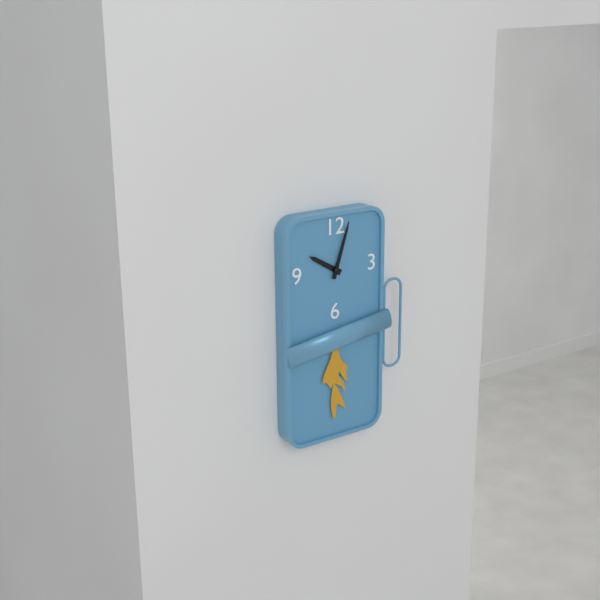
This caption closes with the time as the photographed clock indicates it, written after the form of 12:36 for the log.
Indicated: 10:03
